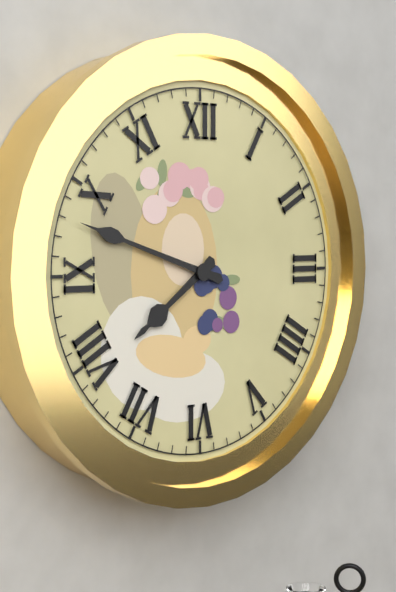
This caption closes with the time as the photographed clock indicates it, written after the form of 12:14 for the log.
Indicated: 7:48
